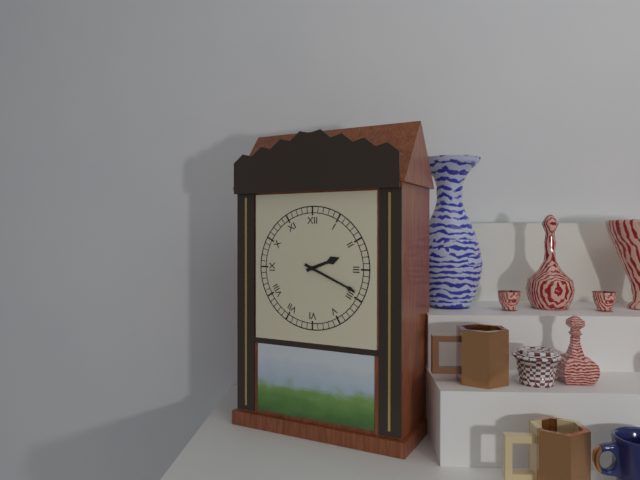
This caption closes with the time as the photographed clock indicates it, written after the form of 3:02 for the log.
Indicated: 2:19
